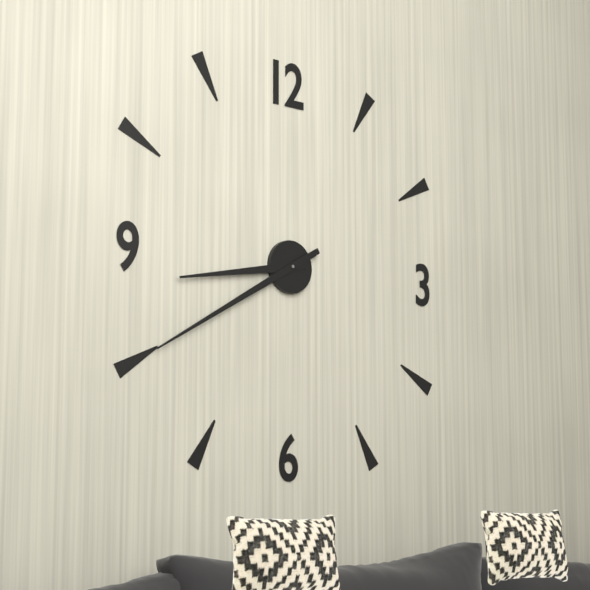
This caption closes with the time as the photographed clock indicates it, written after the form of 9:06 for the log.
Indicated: 8:40
